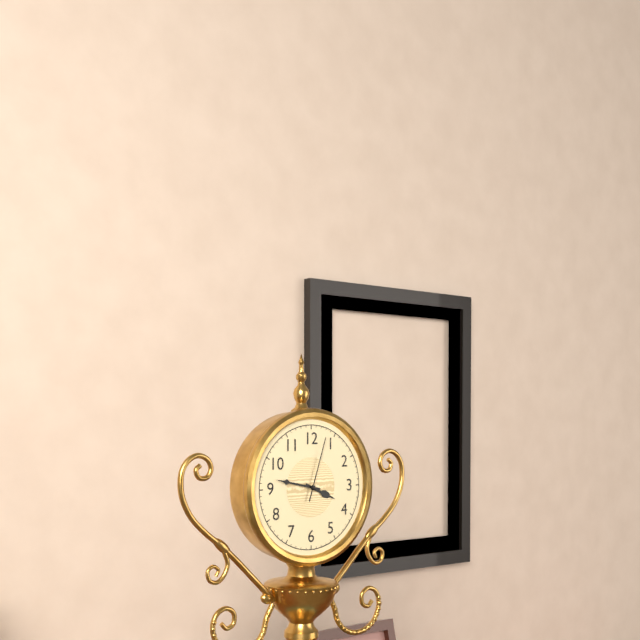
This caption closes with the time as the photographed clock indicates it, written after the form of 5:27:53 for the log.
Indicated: 3:47:03
